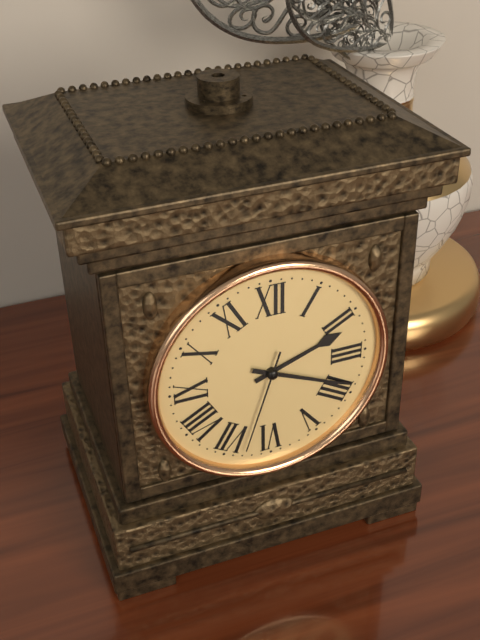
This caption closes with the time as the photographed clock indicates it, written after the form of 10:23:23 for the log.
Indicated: 2:19:33
